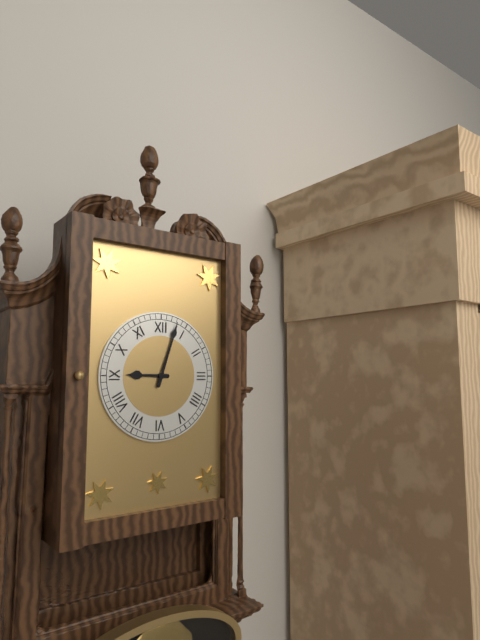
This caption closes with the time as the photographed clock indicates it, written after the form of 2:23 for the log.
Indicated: 9:03
